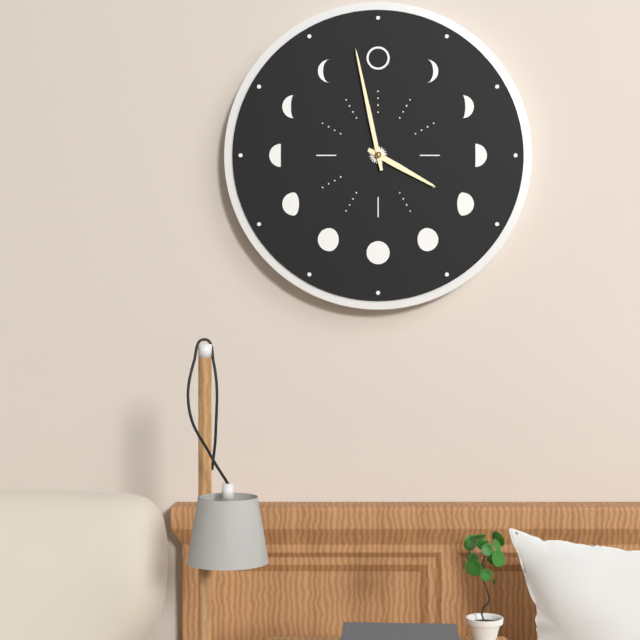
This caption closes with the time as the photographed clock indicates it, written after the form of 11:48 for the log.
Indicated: 3:58
